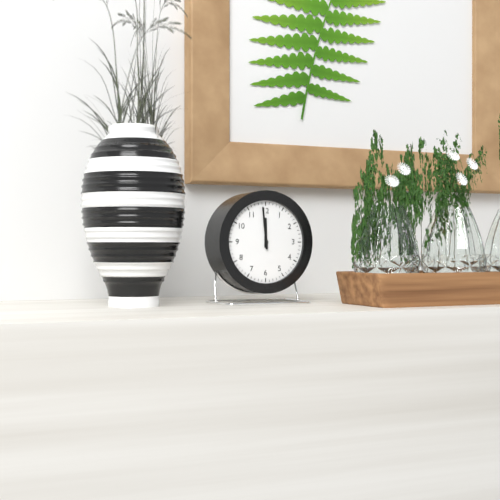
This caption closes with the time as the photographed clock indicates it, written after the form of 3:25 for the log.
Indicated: 11:59
